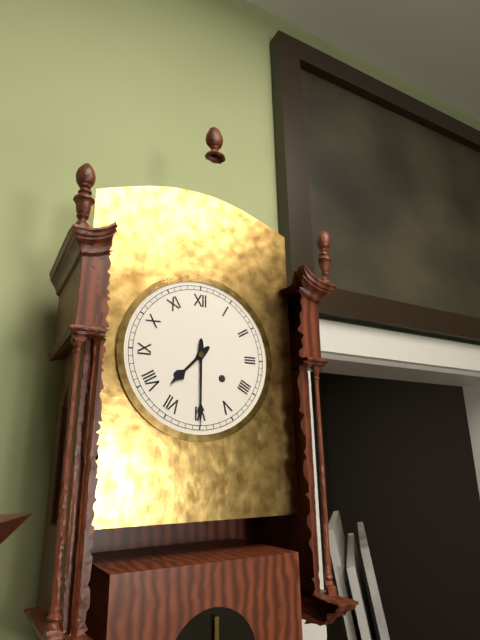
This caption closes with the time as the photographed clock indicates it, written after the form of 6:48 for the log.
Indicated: 7:30
